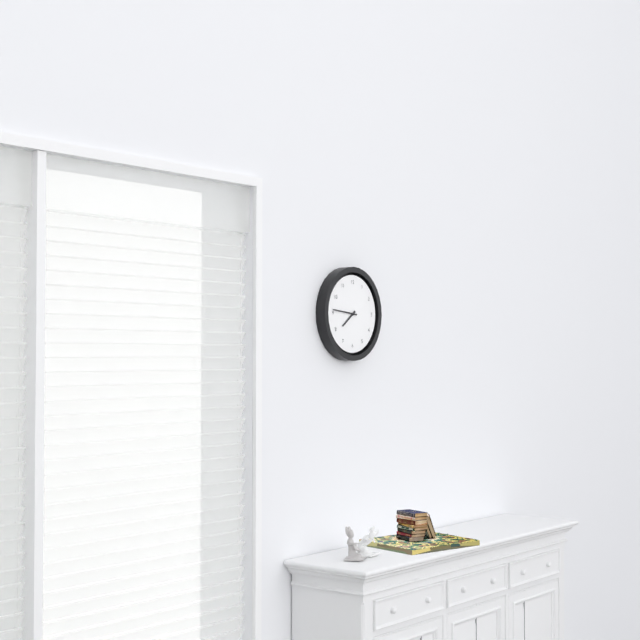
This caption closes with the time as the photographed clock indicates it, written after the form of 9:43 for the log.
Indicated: 7:46
